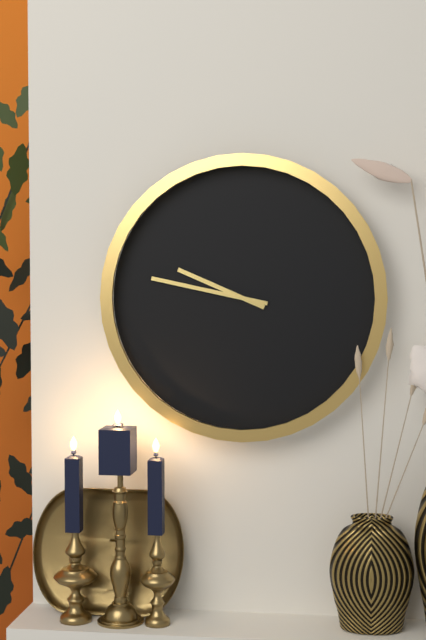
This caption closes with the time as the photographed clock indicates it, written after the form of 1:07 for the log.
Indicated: 9:47
